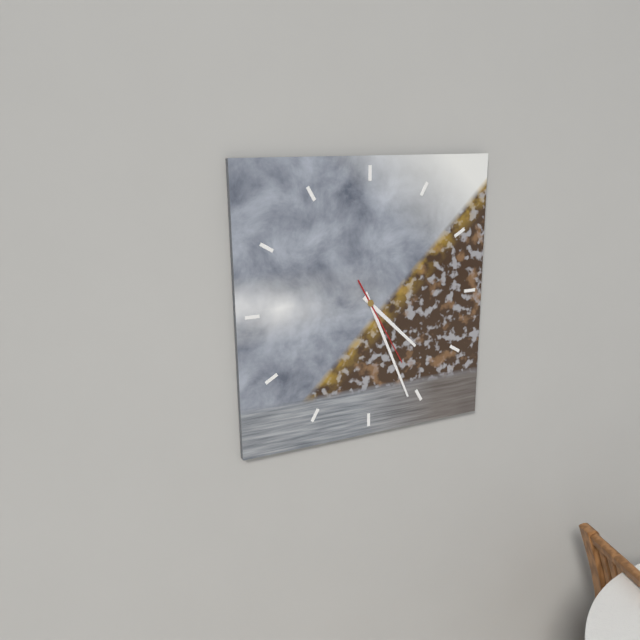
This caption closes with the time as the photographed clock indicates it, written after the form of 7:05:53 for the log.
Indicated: 4:26:25
